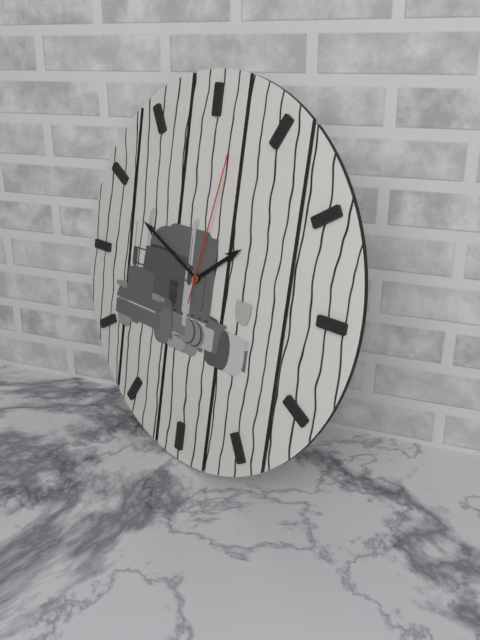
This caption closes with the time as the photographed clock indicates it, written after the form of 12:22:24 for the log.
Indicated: 1:49:02
